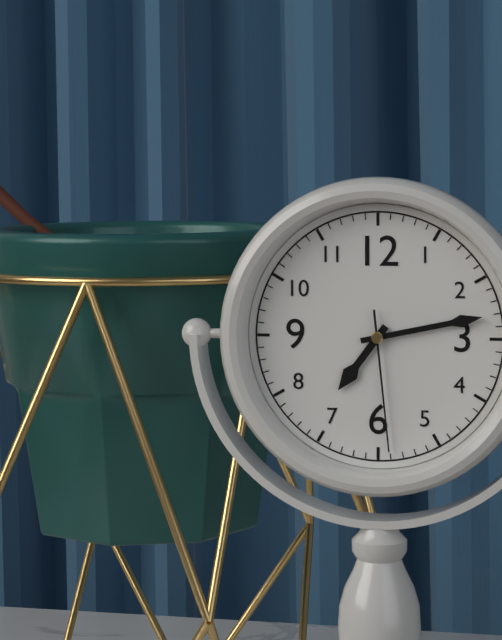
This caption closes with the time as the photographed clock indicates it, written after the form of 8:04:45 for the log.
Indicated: 7:13:29
